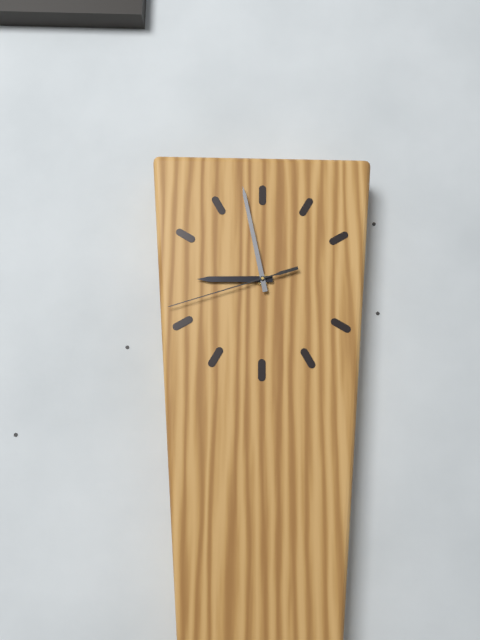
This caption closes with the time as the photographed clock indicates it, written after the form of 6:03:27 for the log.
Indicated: 8:58:42
